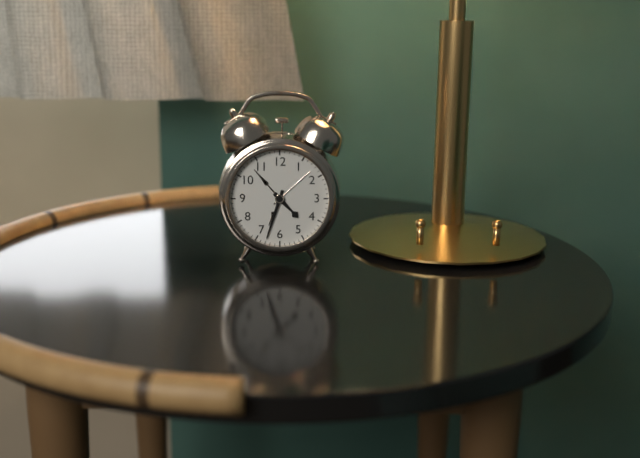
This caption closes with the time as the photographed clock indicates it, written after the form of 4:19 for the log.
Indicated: 4:33
